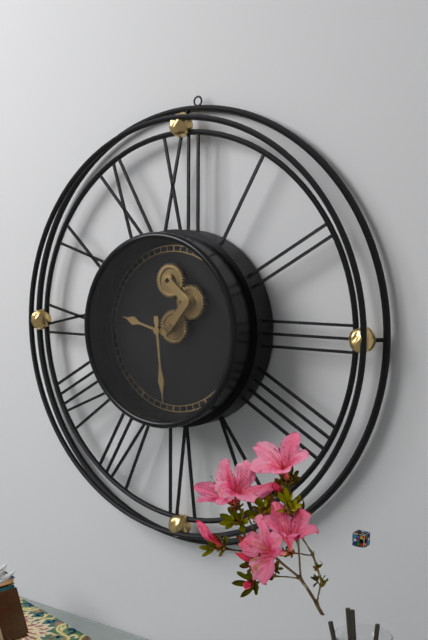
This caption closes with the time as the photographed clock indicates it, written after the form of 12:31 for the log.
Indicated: 9:29
